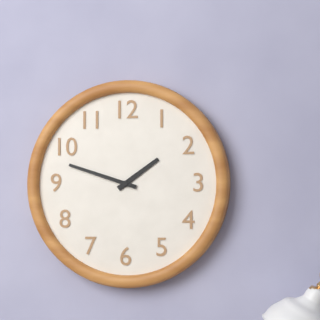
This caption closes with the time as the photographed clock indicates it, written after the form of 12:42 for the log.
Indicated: 1:48
